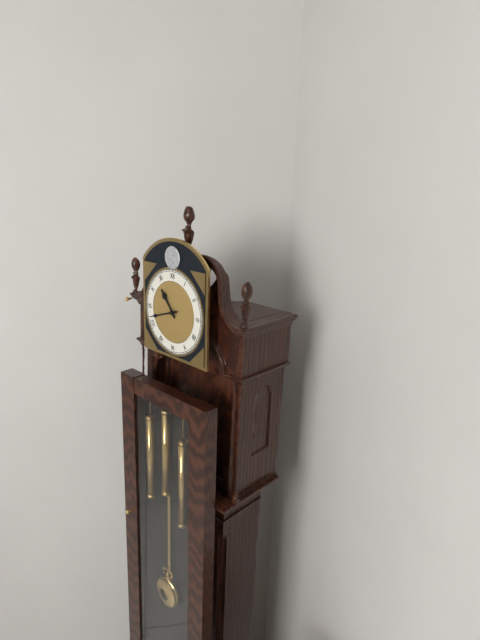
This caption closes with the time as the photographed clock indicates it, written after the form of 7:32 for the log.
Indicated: 10:42
